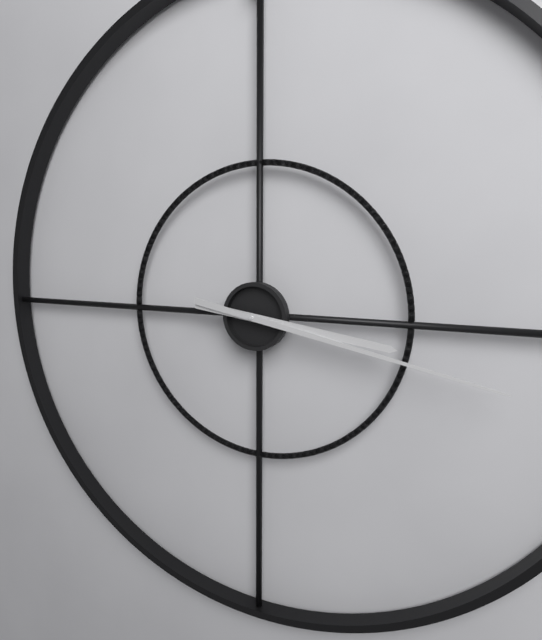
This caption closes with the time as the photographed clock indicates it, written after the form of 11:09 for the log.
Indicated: 3:17
